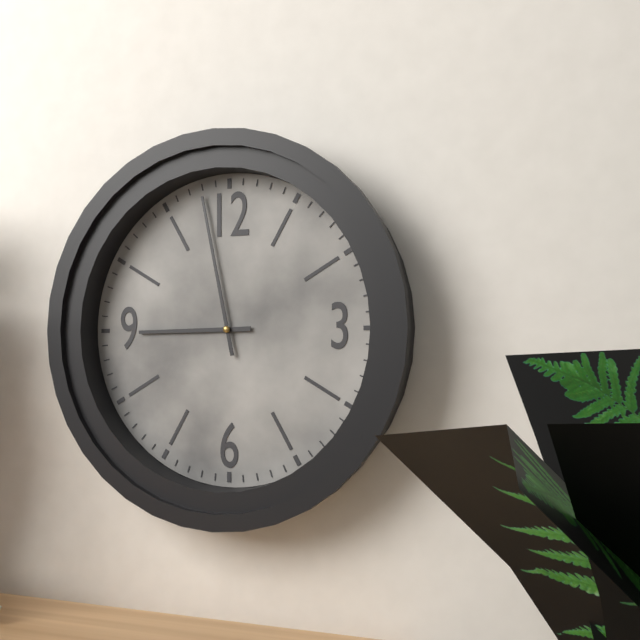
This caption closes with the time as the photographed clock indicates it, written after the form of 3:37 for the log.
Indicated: 8:58
